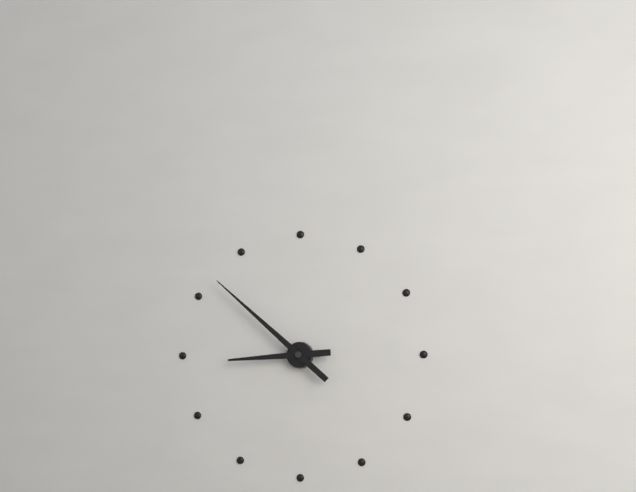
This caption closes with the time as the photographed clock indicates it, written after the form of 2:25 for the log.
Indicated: 8:52
